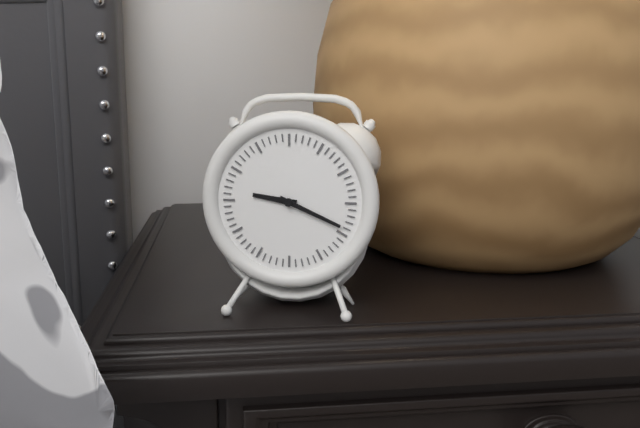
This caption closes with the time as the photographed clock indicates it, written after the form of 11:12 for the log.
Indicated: 9:19
